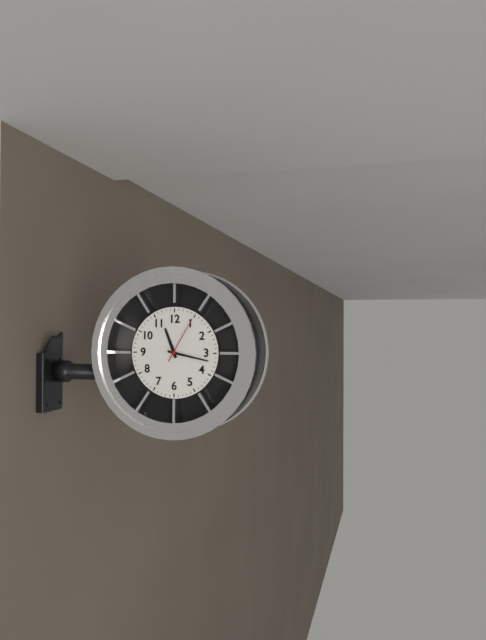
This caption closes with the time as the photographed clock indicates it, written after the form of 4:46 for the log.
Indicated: 11:17
